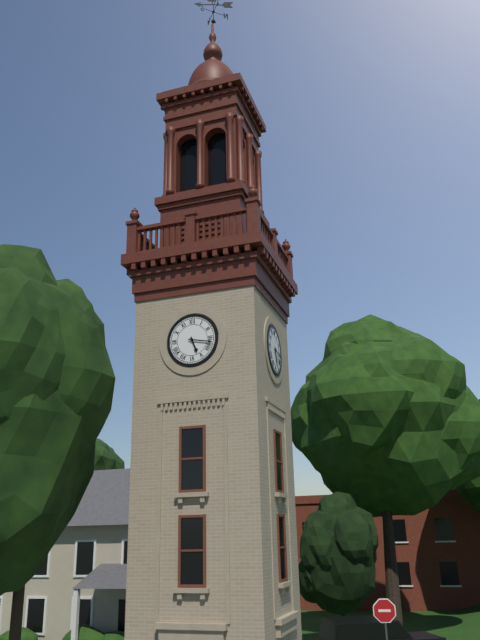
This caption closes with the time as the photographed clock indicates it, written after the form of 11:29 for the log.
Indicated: 5:17
